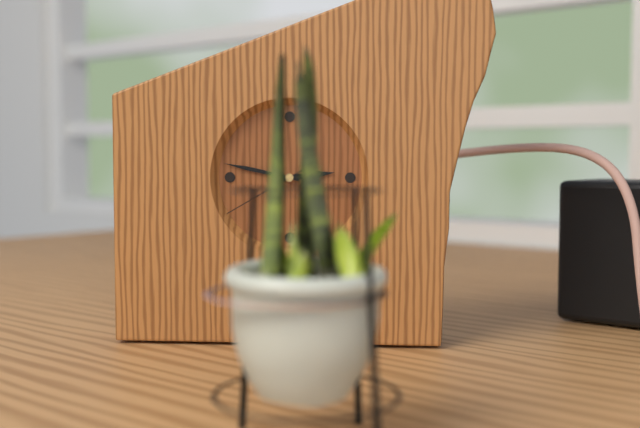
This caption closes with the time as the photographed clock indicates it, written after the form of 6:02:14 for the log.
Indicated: 2:47:40
